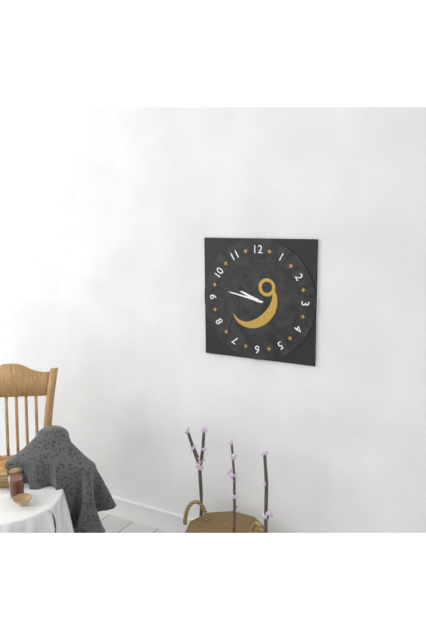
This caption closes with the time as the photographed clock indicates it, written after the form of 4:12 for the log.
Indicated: 9:47
